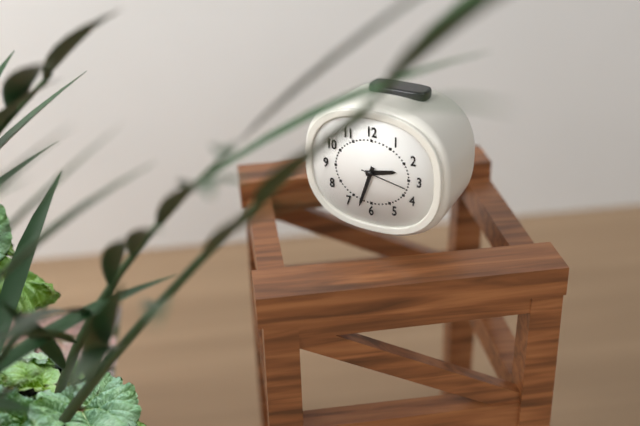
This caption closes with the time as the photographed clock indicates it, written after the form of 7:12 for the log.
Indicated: 2:33
